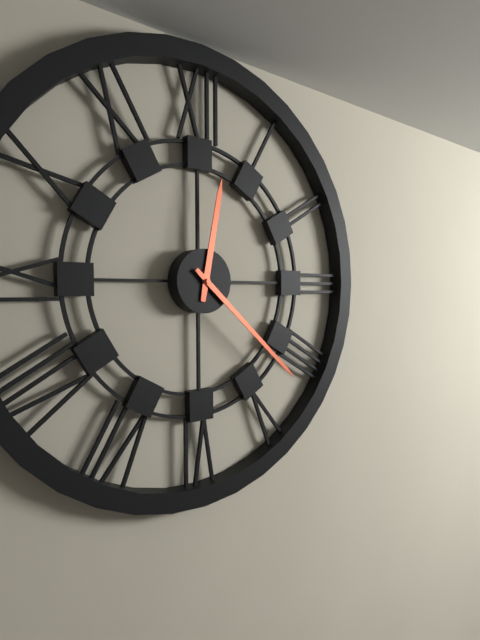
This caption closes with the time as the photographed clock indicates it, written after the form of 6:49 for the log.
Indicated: 12:22
